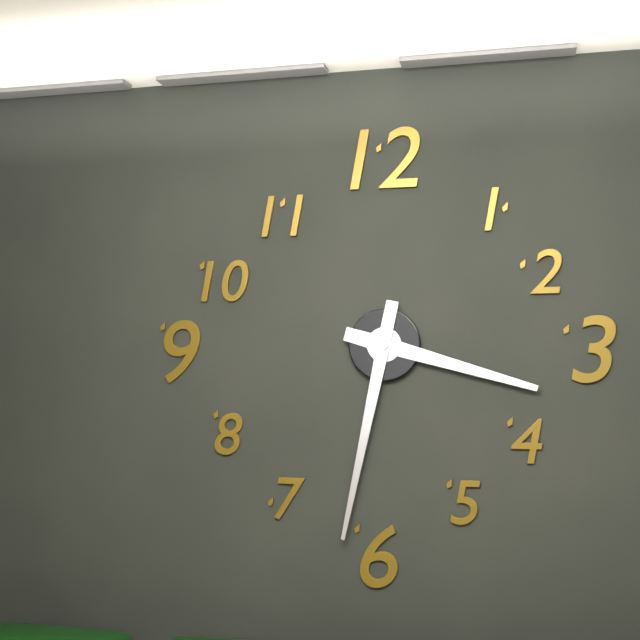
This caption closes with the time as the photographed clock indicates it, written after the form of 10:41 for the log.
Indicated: 3:32
